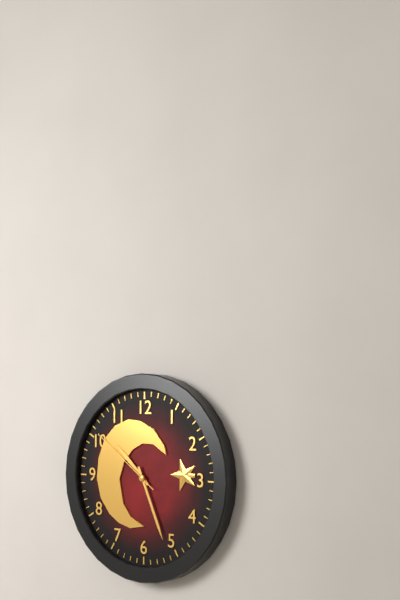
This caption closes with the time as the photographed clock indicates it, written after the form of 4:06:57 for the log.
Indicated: 10:26:51
